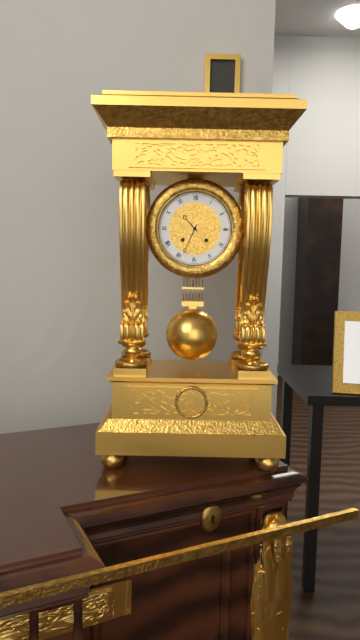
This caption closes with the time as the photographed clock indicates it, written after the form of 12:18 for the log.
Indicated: 10:34
